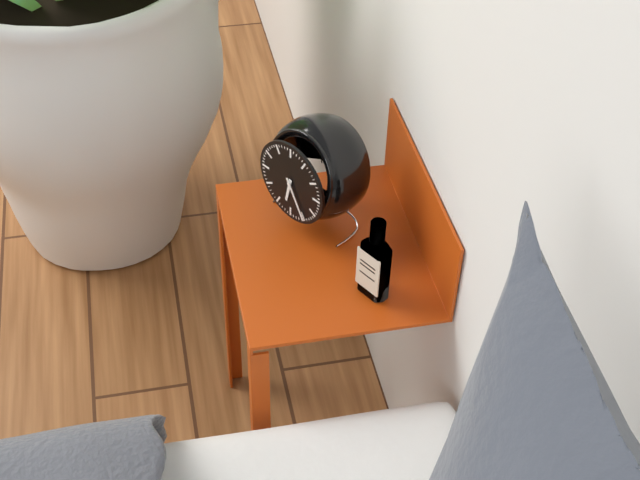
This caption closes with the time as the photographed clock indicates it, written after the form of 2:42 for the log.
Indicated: 6:25
